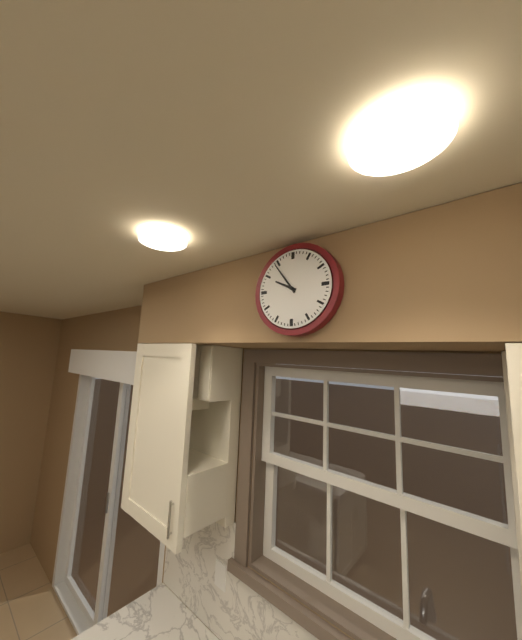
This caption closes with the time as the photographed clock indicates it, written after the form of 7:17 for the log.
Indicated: 9:54
